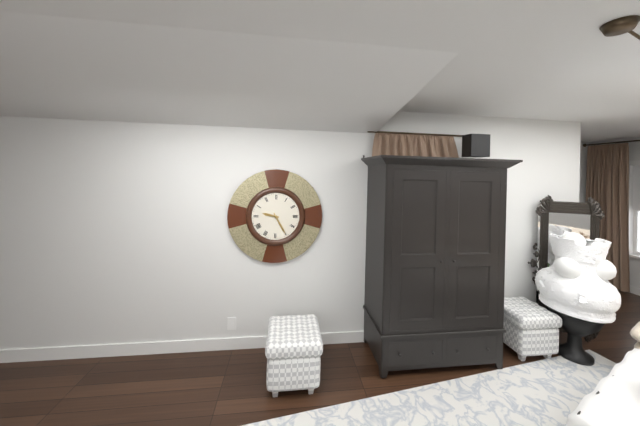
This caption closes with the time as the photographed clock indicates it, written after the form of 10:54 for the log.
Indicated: 9:25
